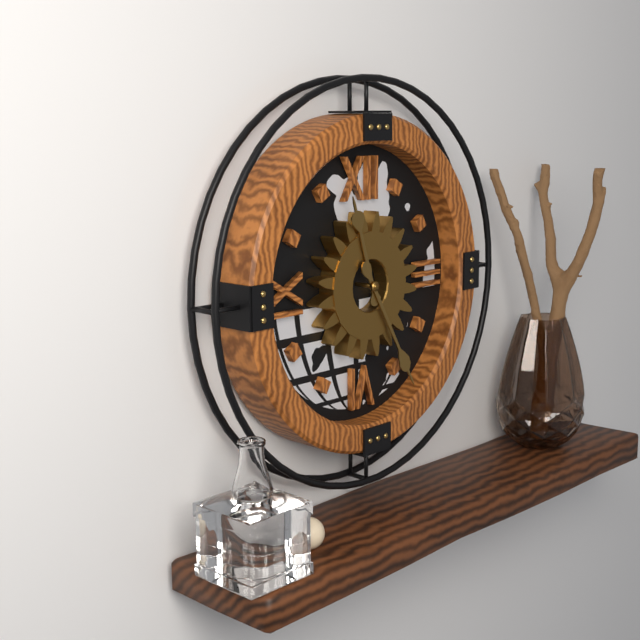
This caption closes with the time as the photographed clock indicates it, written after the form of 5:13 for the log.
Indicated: 11:25
